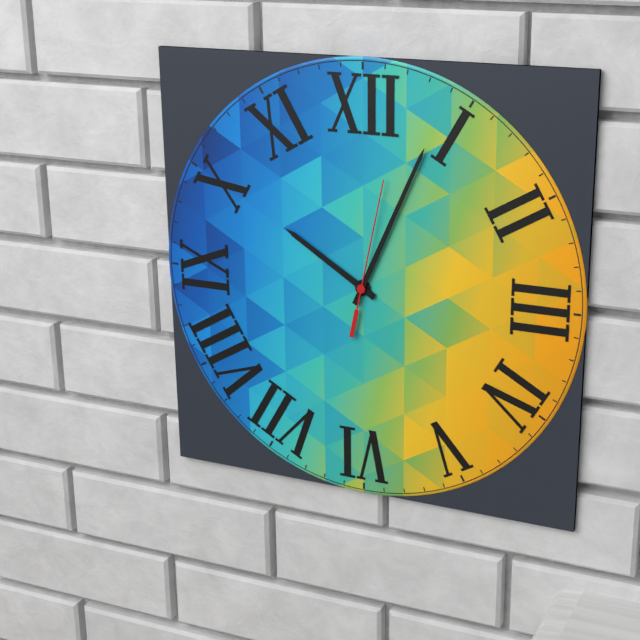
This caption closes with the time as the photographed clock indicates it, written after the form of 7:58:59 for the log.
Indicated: 10:04:02
